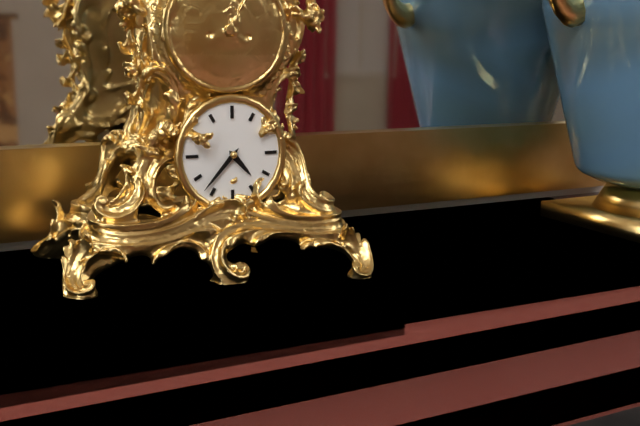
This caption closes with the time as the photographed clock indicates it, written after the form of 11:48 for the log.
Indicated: 4:37
